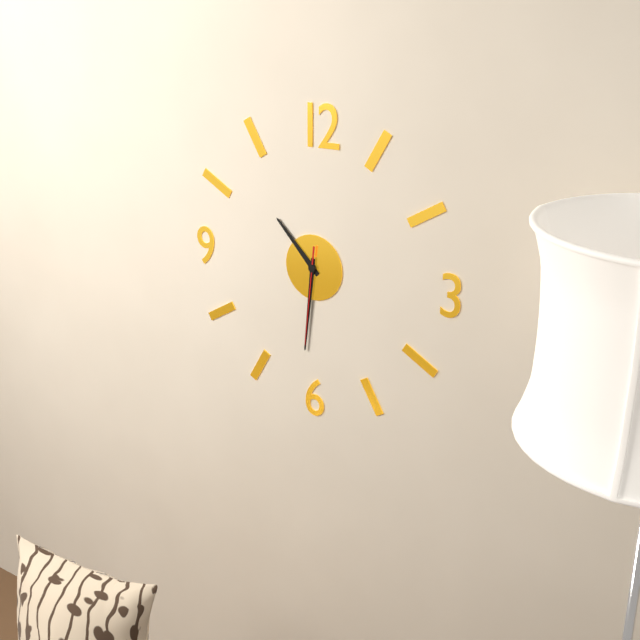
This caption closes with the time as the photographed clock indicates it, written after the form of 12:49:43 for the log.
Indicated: 10:31:31
